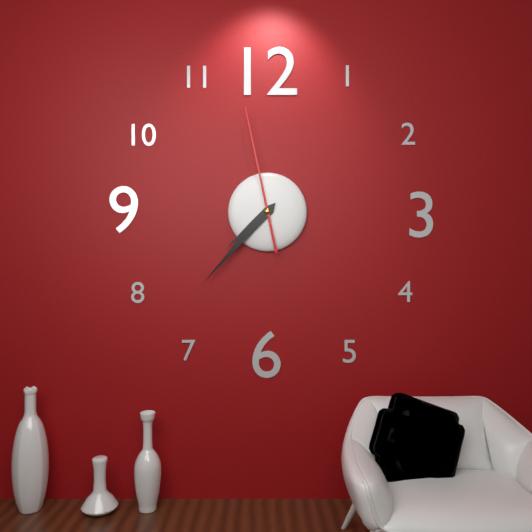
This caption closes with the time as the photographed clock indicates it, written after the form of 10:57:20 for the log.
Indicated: 7:37:58
